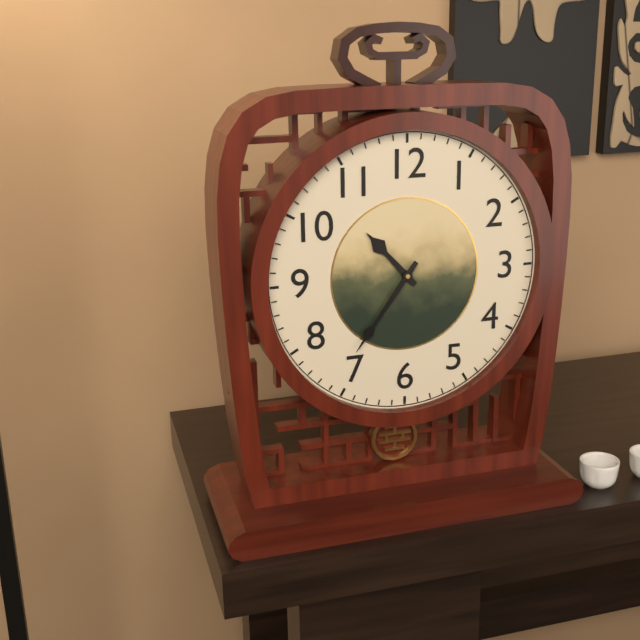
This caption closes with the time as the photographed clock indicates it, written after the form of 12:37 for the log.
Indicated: 10:36
